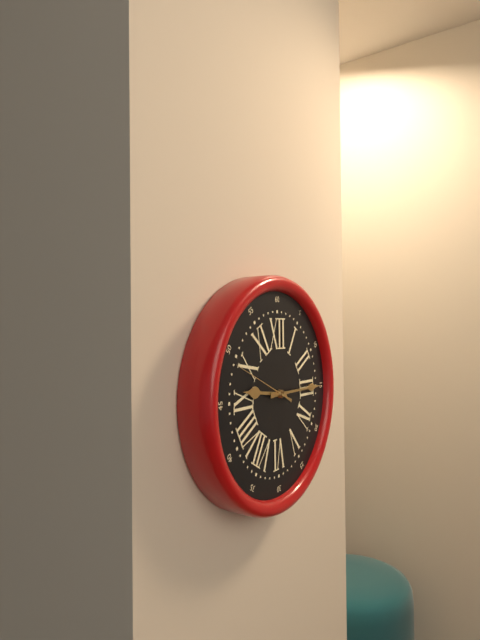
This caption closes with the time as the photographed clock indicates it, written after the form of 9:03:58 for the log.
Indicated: 9:15:49
